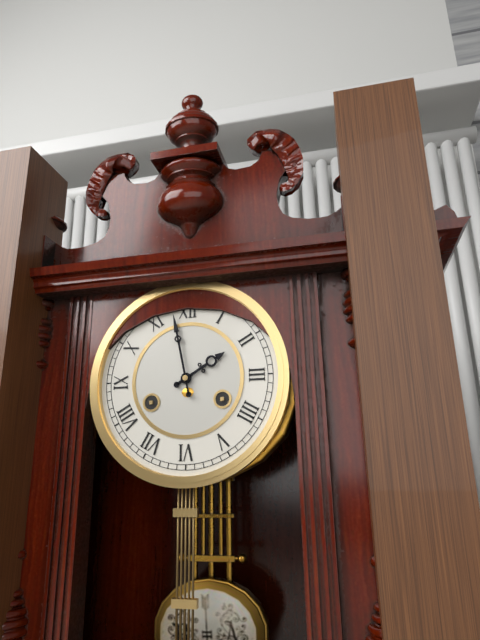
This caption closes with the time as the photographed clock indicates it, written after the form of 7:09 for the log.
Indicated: 1:58
